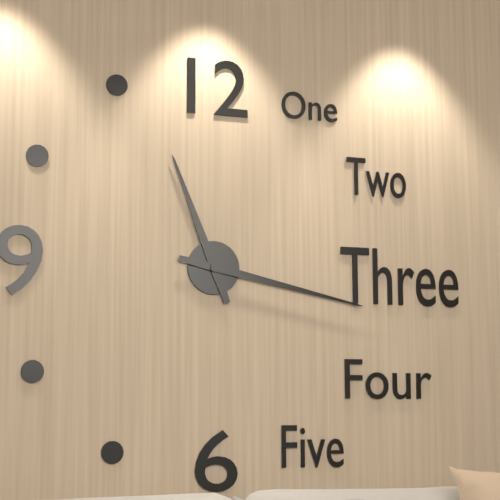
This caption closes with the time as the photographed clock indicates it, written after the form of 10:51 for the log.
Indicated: 11:17
